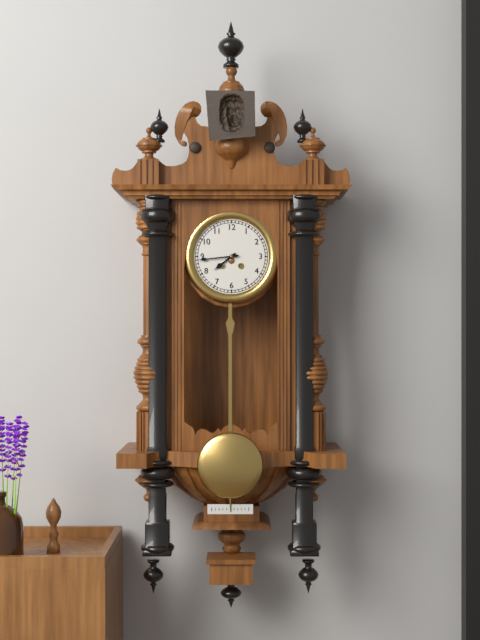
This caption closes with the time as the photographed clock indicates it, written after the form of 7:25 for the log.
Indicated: 7:44
